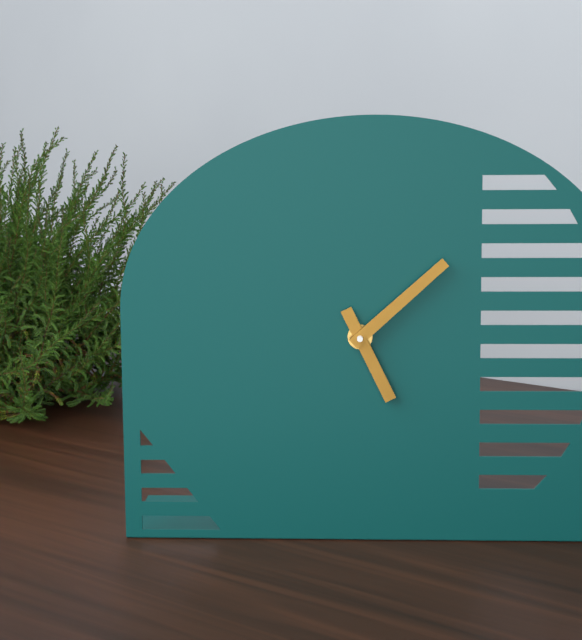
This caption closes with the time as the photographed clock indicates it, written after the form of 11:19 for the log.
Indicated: 5:08
